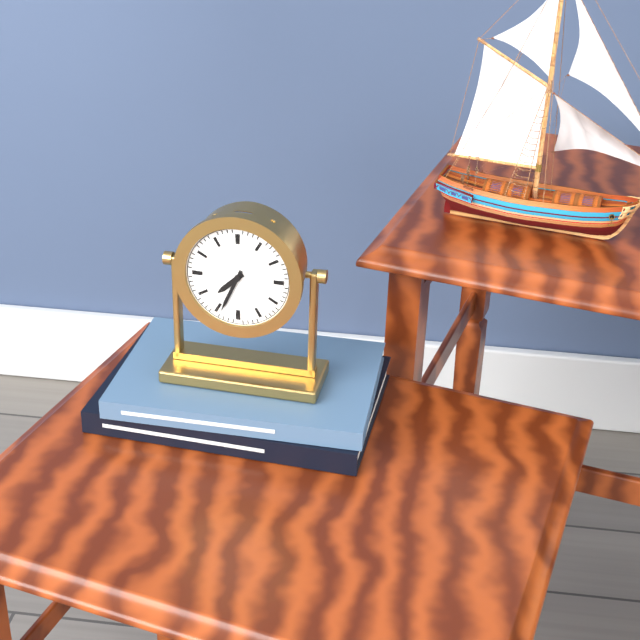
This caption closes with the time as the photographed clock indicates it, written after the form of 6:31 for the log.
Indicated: 7:34
